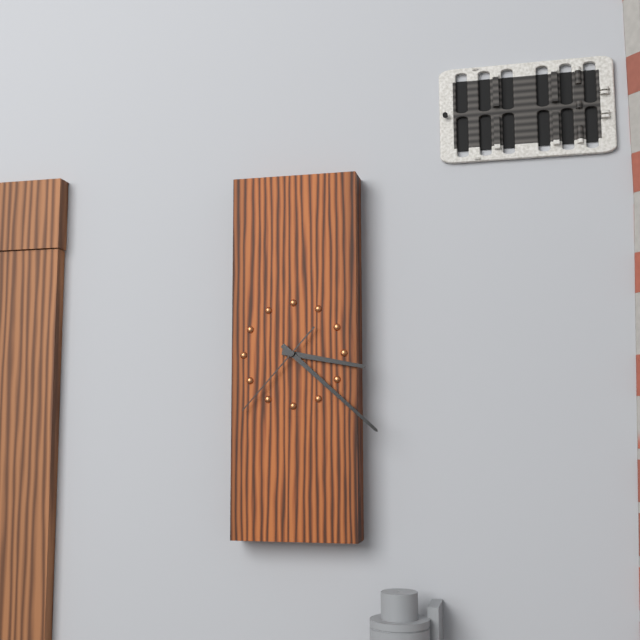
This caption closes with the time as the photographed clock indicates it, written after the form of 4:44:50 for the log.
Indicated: 3:22:37
